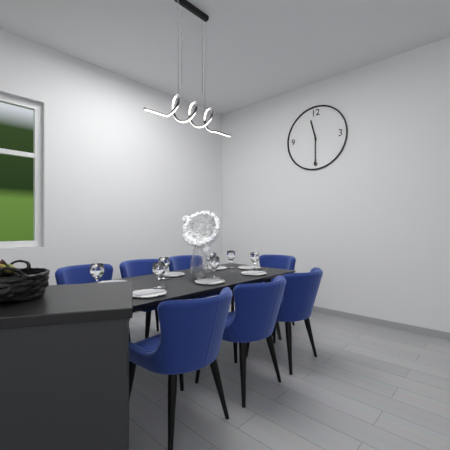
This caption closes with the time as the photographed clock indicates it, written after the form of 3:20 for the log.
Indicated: 11:30
